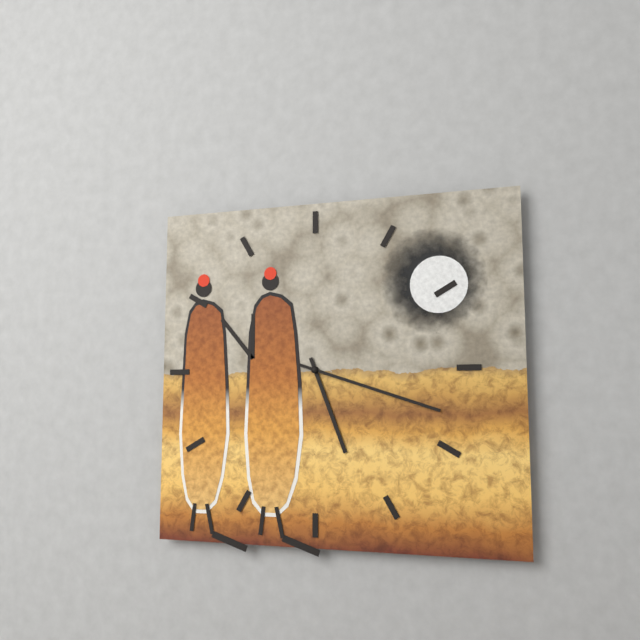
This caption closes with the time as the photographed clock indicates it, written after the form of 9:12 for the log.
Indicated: 5:18
